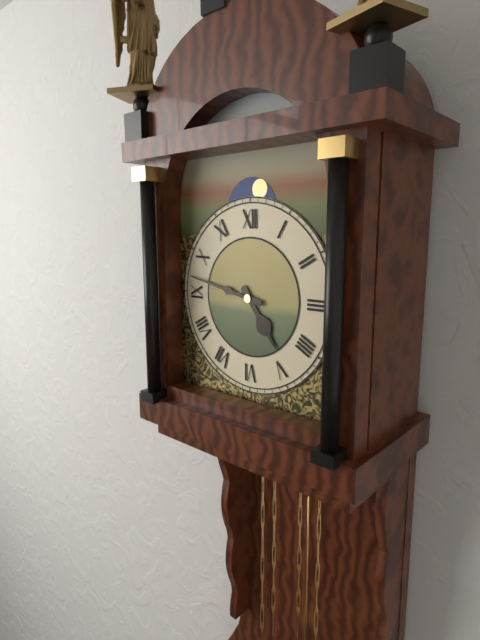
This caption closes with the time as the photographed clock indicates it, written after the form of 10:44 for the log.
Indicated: 4:47
